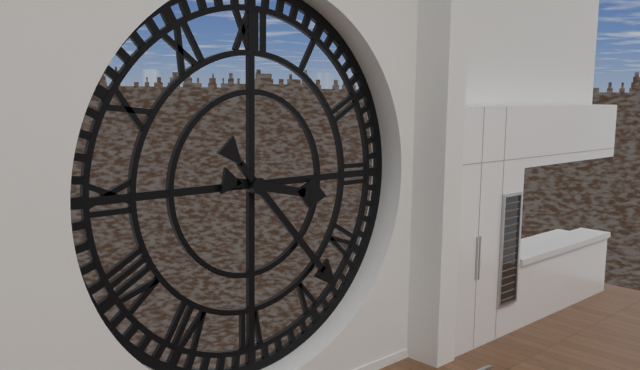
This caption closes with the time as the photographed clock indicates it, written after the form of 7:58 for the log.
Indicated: 3:23
